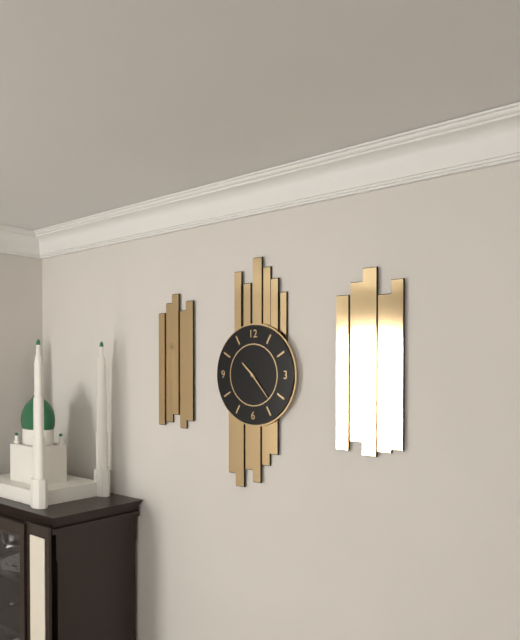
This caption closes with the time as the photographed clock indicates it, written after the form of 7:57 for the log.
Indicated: 10:23
